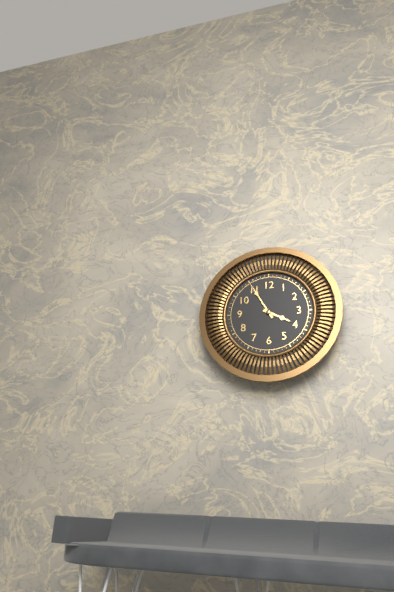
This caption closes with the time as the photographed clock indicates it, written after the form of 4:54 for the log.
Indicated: 3:55
